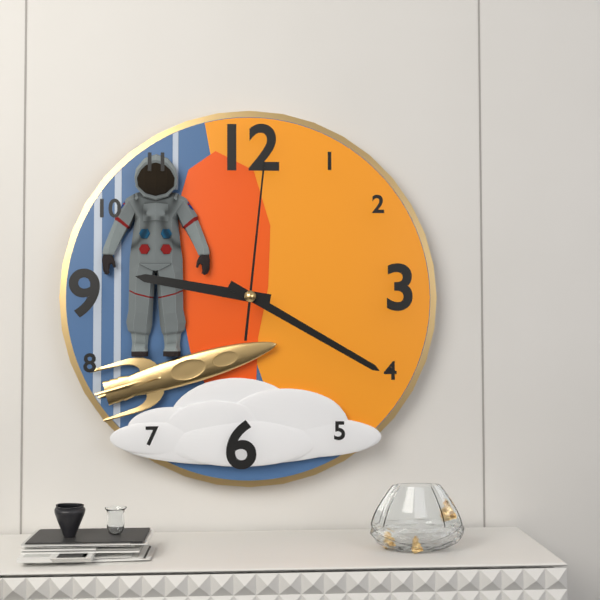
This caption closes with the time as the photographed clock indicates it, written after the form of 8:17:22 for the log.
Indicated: 9:20:01
